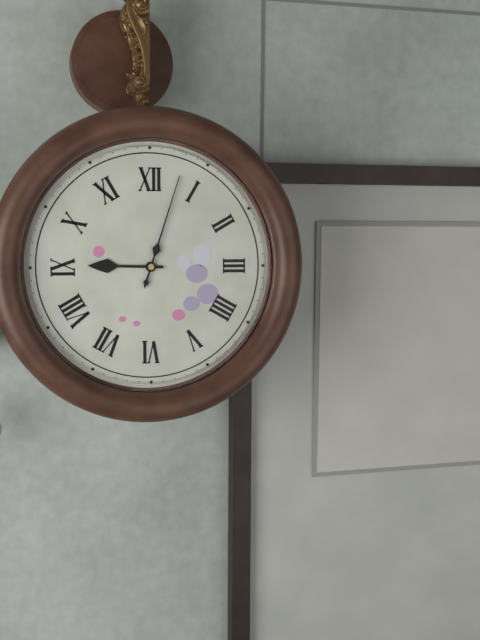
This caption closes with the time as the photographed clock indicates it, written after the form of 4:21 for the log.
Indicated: 9:03
